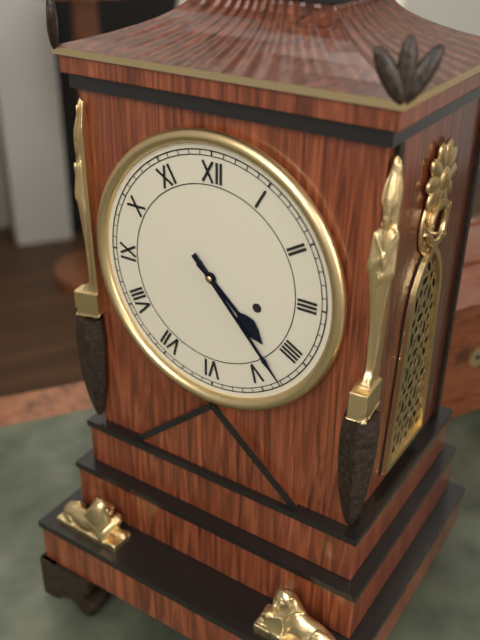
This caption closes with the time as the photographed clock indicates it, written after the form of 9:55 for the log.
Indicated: 4:23
